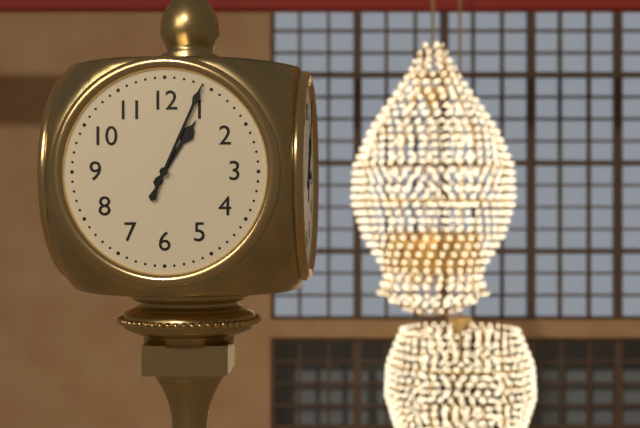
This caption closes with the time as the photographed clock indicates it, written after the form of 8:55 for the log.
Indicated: 1:04
